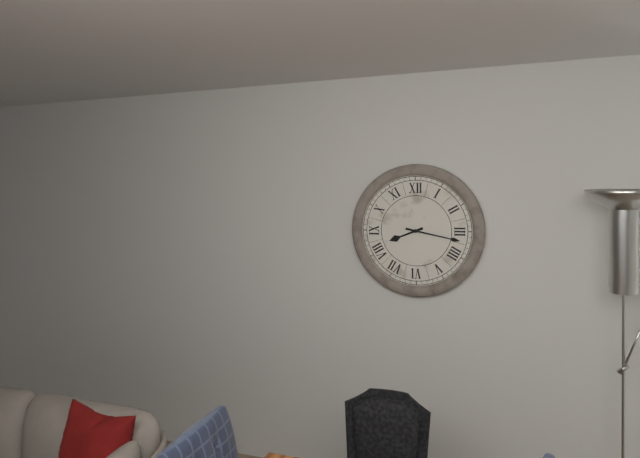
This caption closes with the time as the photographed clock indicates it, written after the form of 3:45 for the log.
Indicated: 8:17
